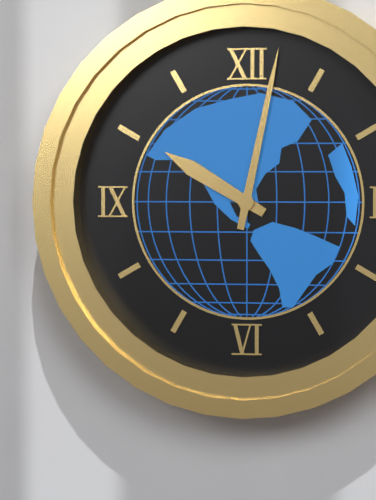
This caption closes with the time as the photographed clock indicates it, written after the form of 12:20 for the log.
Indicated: 10:02
